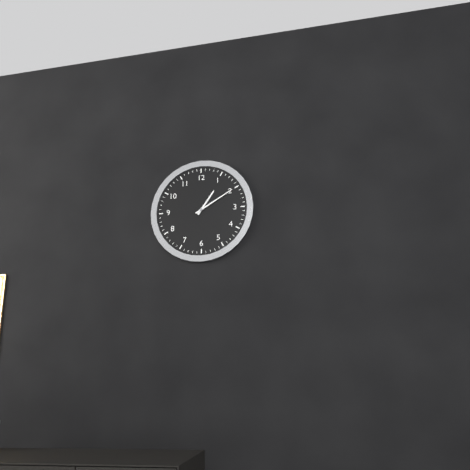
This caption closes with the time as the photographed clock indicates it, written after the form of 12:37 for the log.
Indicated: 1:10
